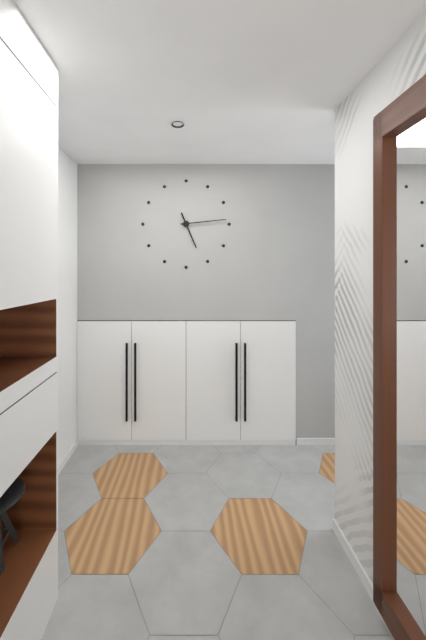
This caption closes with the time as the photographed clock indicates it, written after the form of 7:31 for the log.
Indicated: 5:14
